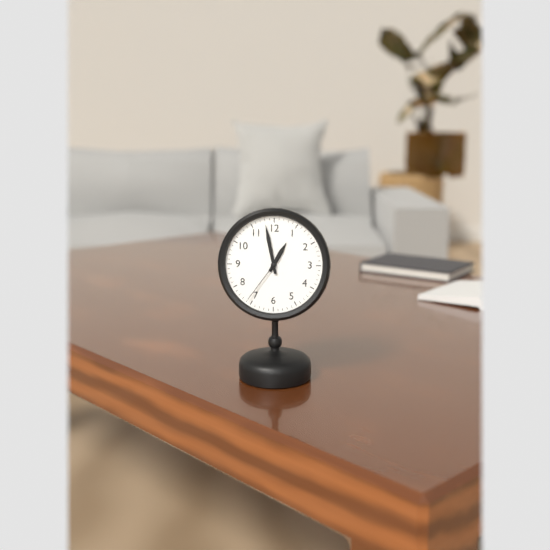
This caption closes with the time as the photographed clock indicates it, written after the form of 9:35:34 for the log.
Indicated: 12:58:36
